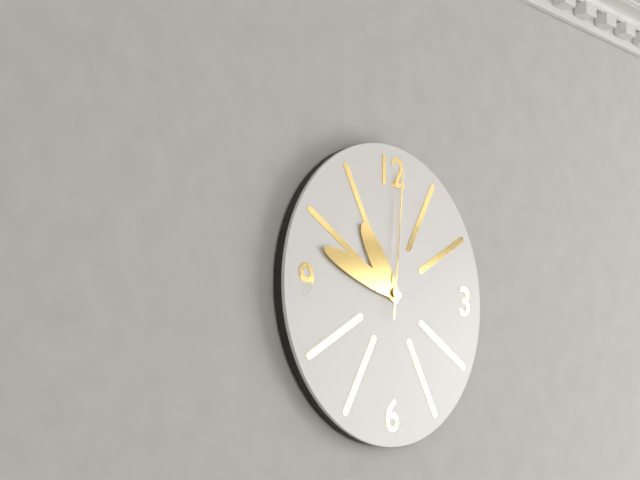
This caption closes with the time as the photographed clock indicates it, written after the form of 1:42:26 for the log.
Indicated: 10:48:01
